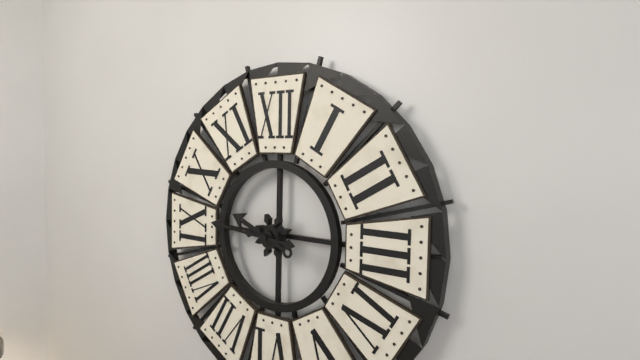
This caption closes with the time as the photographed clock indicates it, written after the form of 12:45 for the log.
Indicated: 9:46
